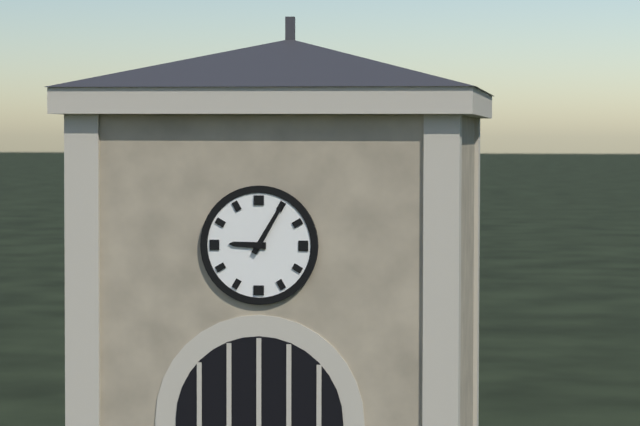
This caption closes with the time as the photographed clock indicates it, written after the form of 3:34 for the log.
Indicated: 9:05
